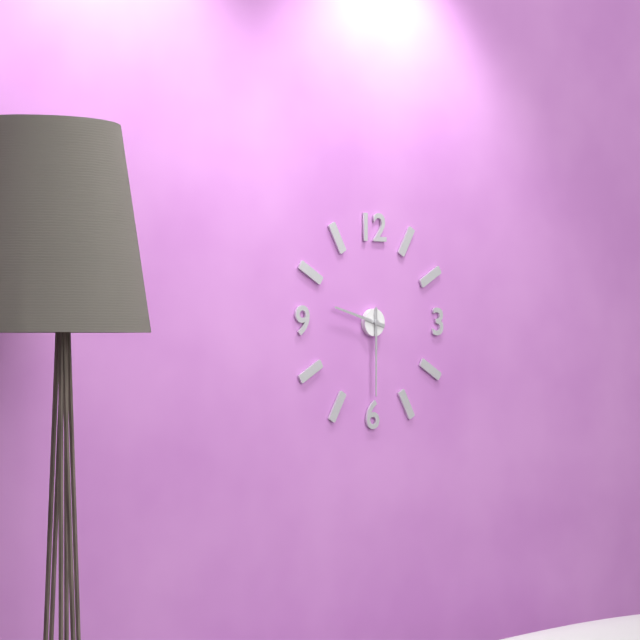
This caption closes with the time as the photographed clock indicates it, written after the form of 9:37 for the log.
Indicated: 9:30
